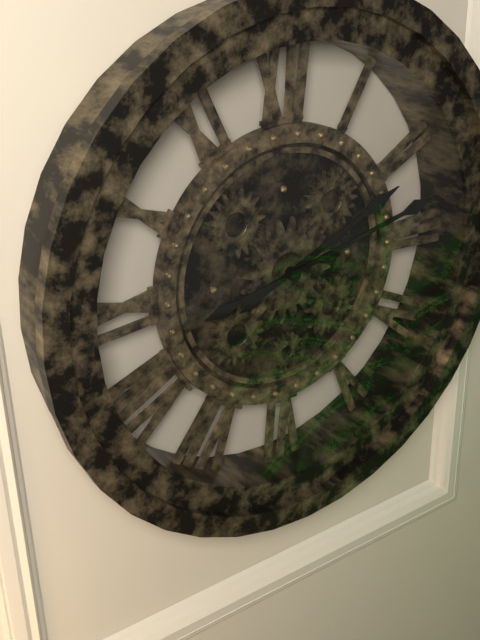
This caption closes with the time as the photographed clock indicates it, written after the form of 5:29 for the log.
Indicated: 2:13
